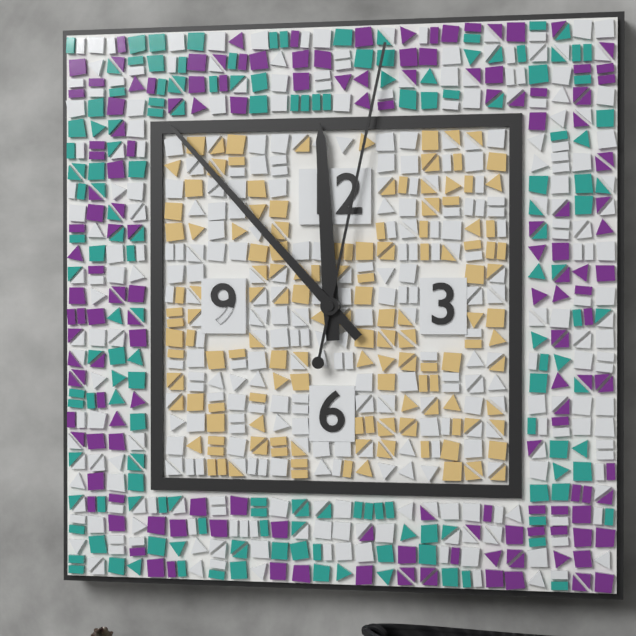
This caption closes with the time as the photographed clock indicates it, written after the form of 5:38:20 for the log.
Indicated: 11:53:02
